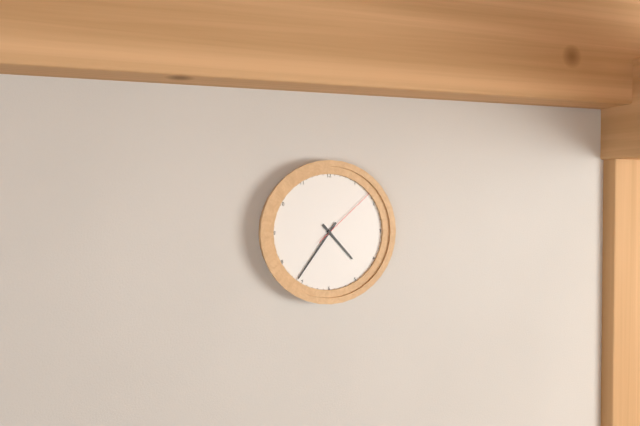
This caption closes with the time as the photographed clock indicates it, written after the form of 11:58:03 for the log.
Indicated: 4:36:08
